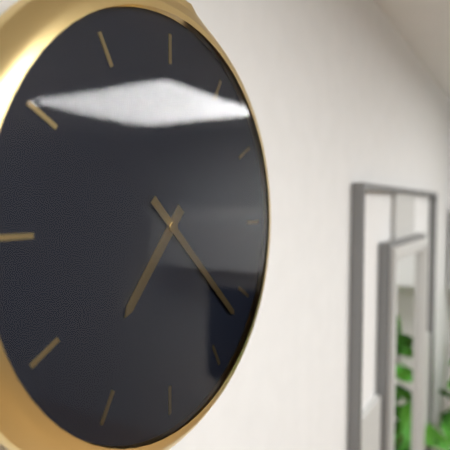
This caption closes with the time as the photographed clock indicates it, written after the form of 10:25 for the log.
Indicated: 7:22
